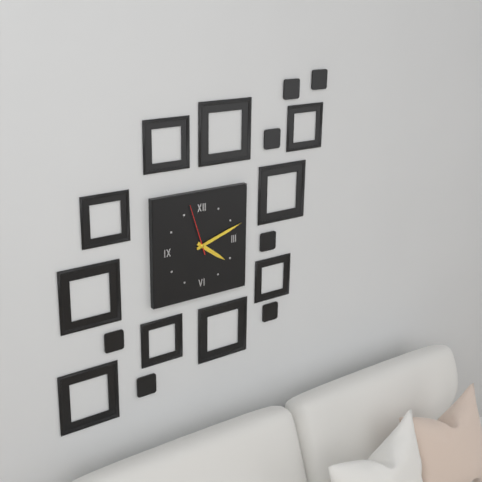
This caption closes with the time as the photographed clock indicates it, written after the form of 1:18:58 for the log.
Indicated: 4:12:57
